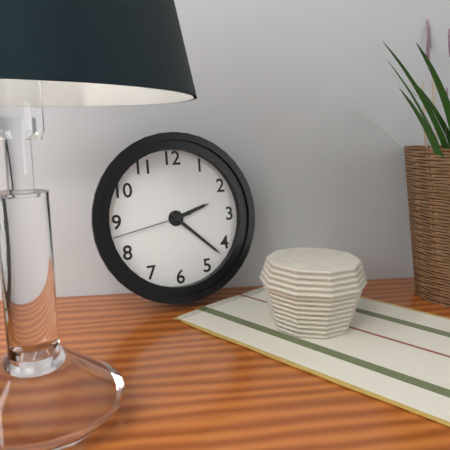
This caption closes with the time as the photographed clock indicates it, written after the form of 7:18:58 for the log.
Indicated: 2:22:43
